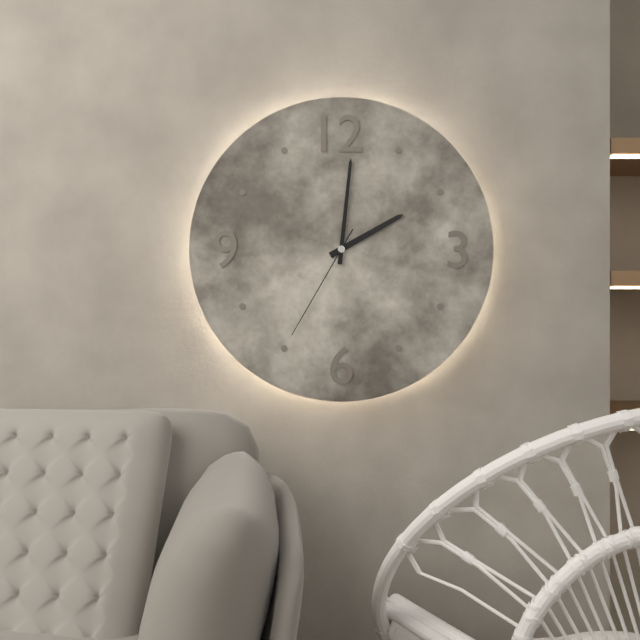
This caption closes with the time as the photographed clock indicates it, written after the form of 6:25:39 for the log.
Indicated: 2:01:35
